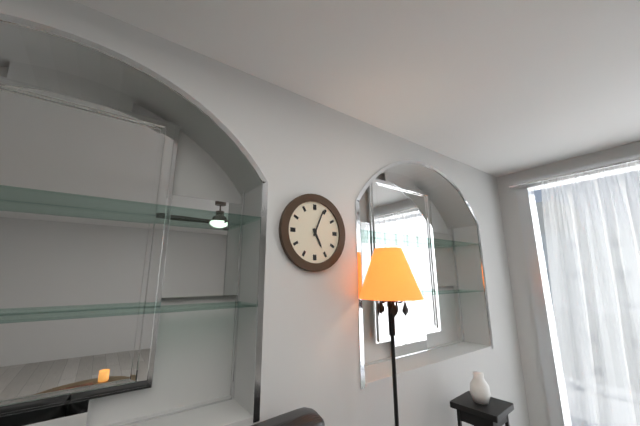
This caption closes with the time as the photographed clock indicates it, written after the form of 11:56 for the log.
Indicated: 5:04
